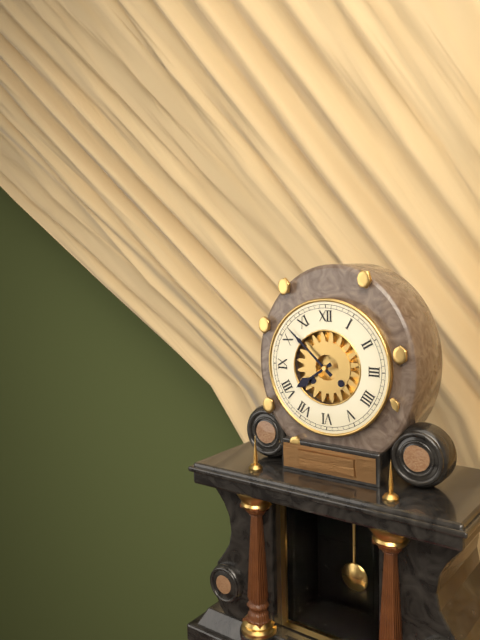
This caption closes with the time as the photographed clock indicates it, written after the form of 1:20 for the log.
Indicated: 7:52
